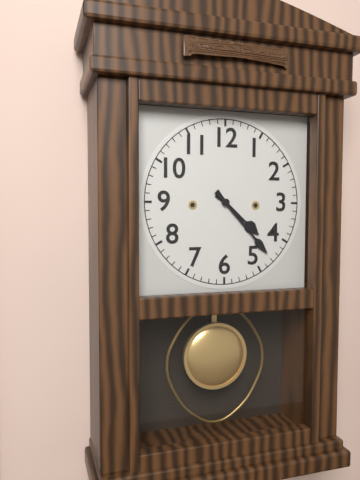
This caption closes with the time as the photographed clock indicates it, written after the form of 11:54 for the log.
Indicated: 4:23
